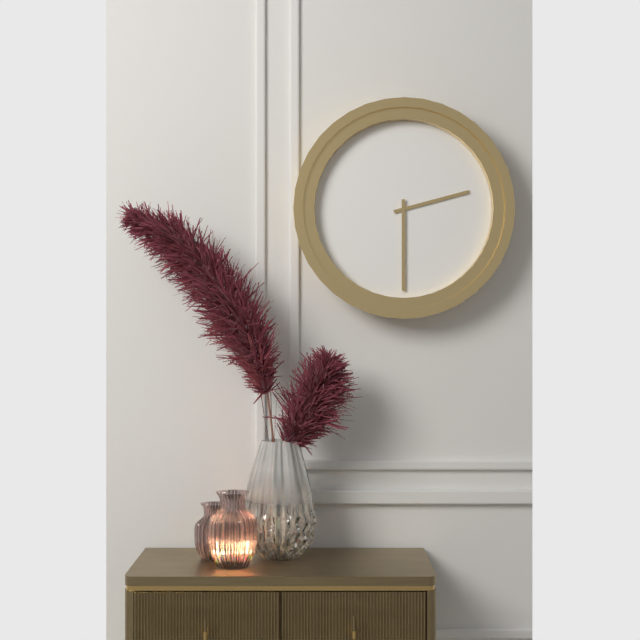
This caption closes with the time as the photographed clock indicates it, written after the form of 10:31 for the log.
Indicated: 2:30
